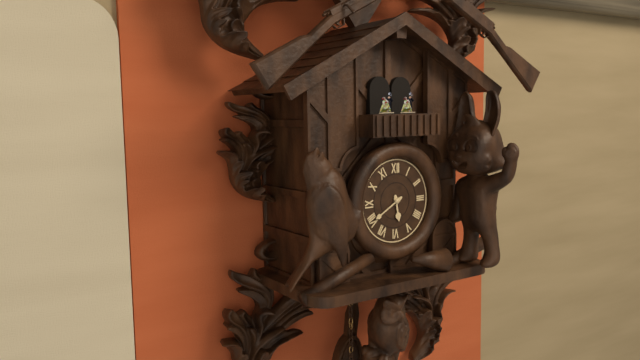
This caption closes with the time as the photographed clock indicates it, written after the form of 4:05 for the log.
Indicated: 5:40
